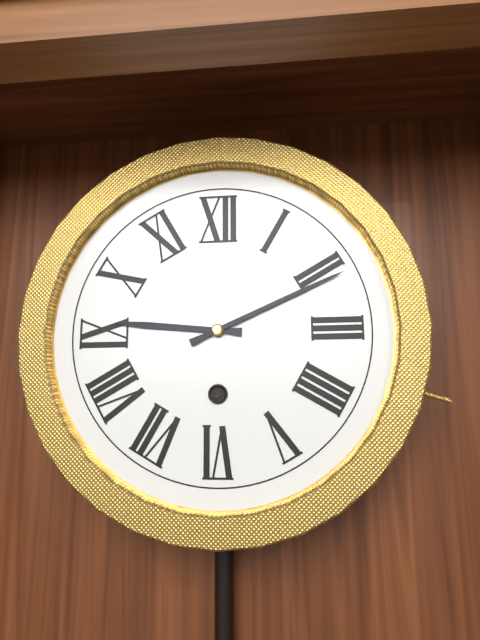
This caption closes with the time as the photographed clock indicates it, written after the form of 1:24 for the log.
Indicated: 9:11
